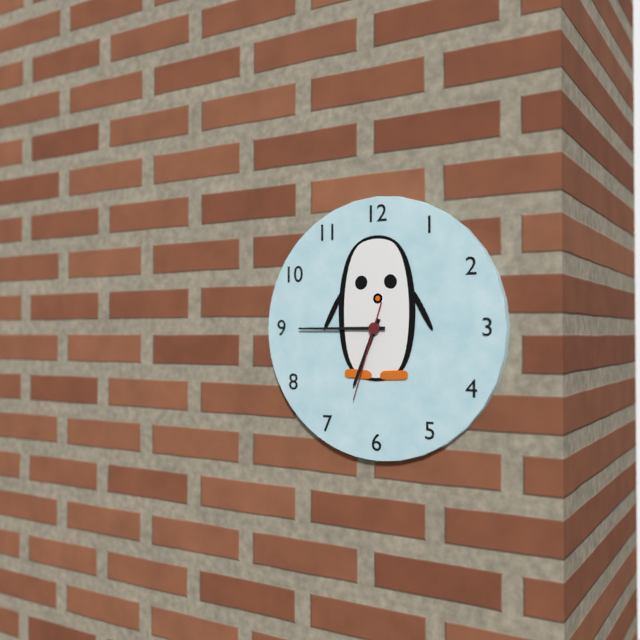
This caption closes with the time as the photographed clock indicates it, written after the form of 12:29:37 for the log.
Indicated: 6:45:33
